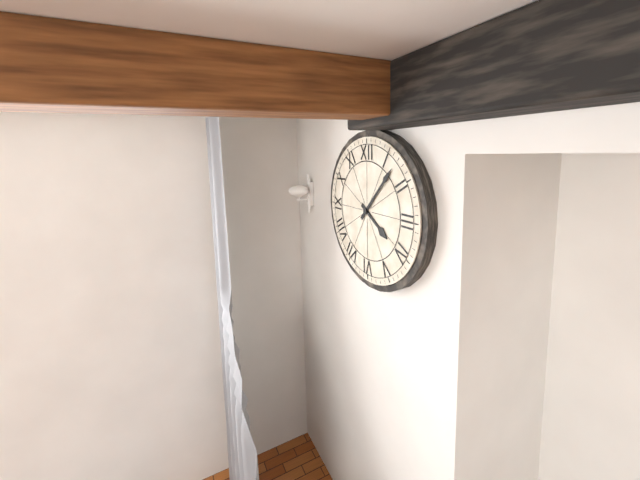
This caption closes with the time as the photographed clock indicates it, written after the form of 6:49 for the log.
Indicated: 4:07
